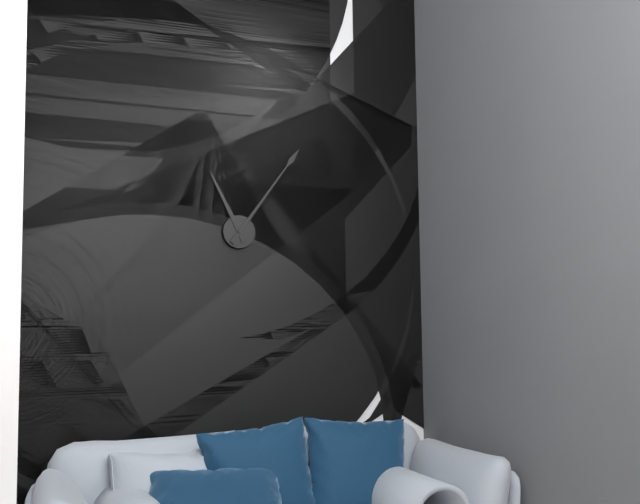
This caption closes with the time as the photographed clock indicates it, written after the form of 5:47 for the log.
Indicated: 11:06
